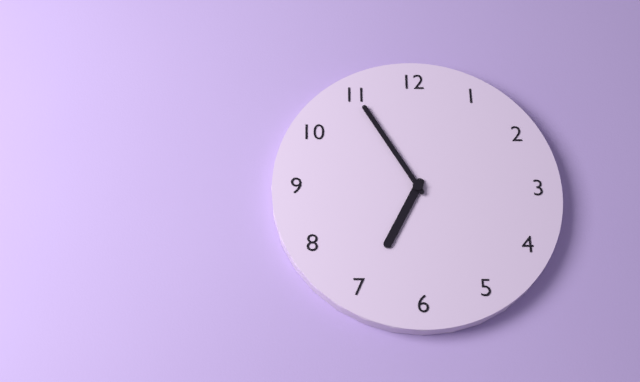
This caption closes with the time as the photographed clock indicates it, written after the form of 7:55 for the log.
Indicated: 6:55
